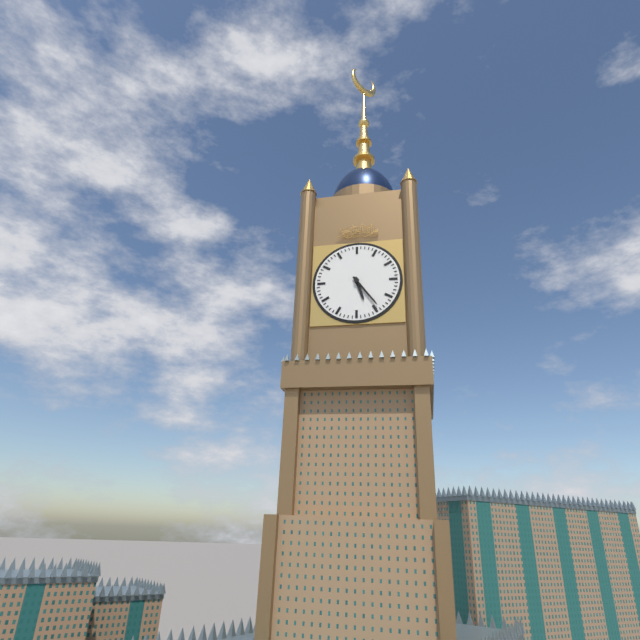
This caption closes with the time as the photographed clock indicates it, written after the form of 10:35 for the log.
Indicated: 5:24
